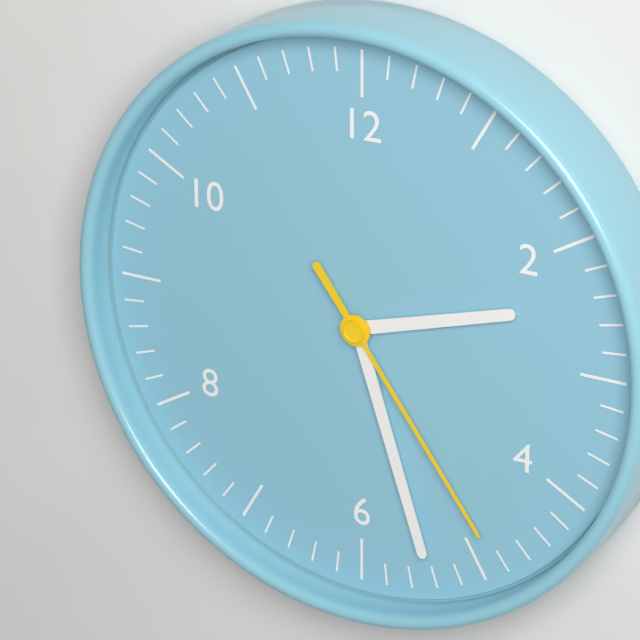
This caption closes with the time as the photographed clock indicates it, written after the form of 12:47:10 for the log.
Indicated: 2:27:24
